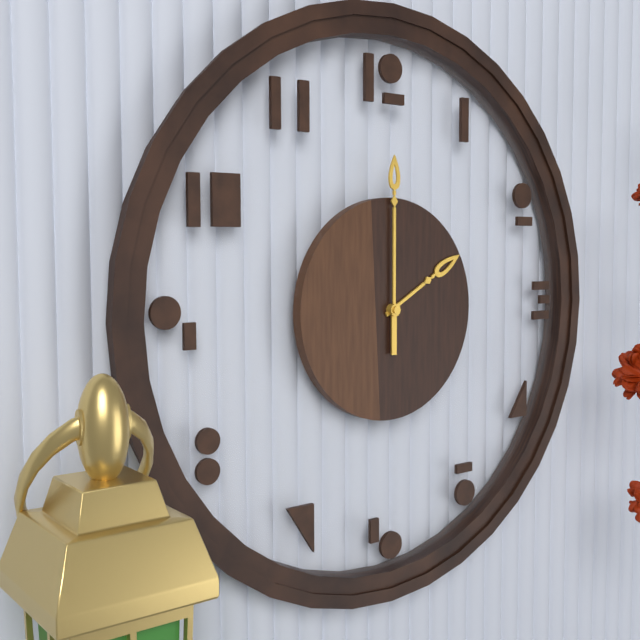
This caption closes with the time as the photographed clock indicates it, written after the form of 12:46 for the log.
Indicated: 2:00
